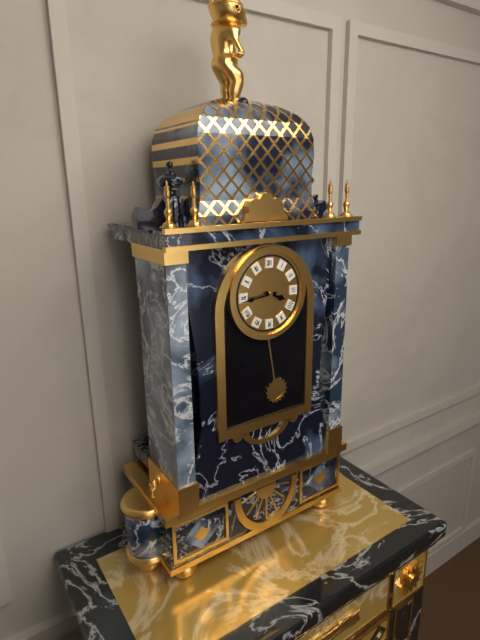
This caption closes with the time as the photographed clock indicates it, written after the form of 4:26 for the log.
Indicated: 3:44
